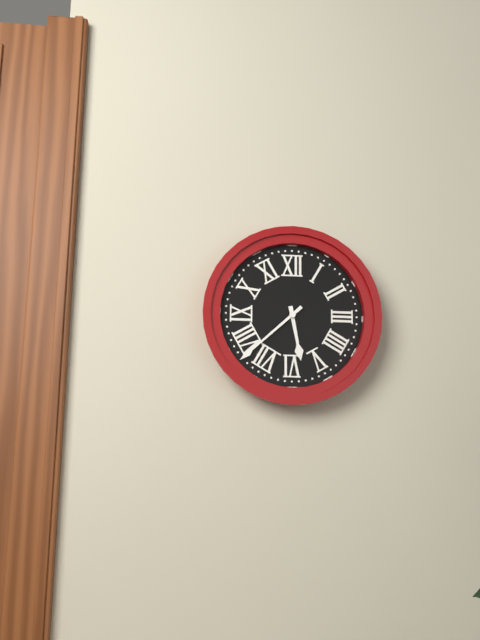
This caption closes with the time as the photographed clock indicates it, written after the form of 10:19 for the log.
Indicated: 5:38
